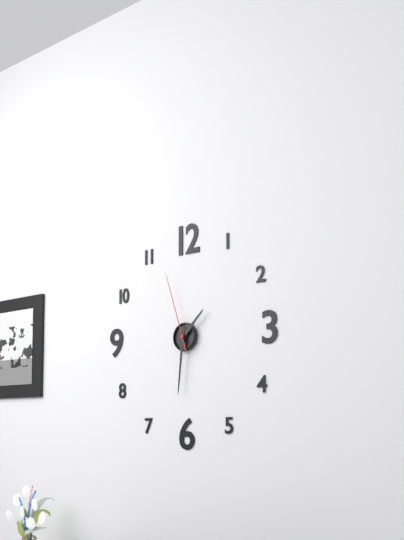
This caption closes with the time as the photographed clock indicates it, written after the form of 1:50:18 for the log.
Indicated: 1:31:57
